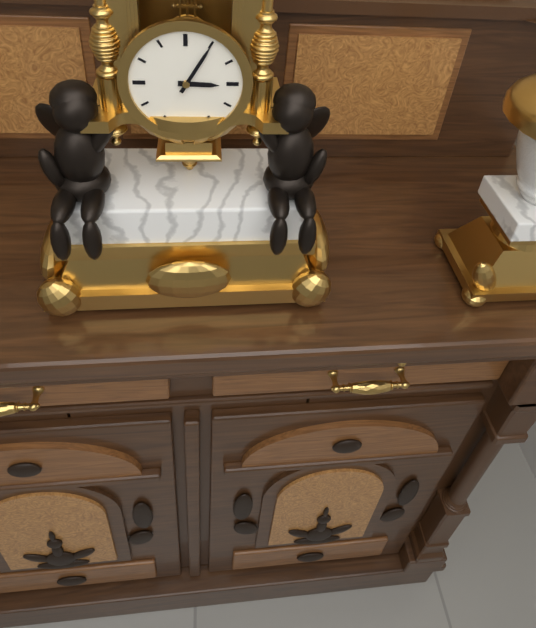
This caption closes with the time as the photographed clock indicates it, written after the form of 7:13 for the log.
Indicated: 3:05
